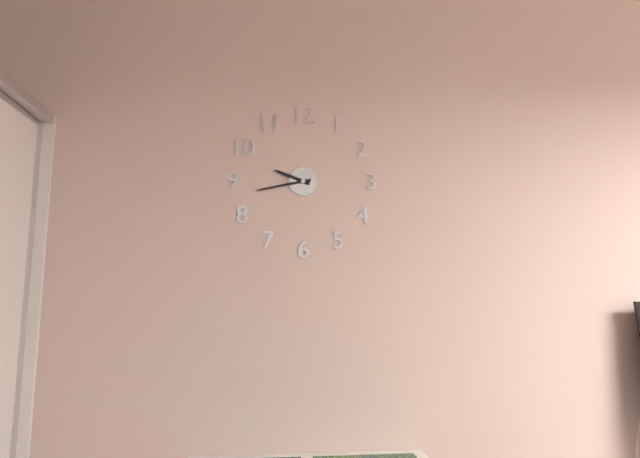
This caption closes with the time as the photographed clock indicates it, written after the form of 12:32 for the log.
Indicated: 9:43
